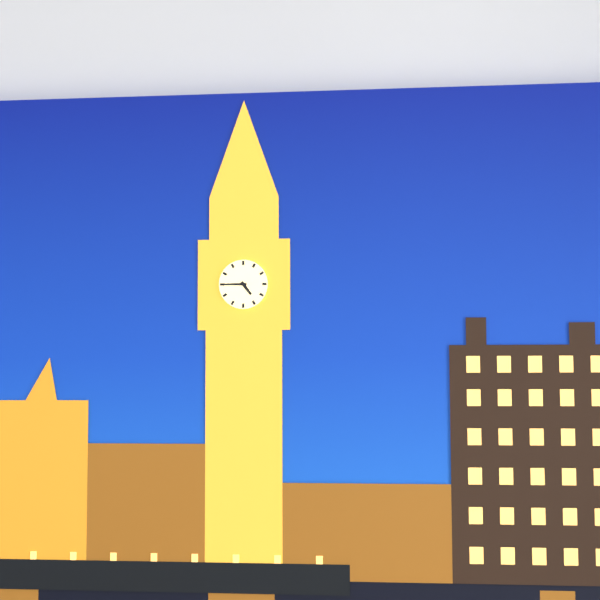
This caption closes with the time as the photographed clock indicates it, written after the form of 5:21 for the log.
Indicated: 4:45
